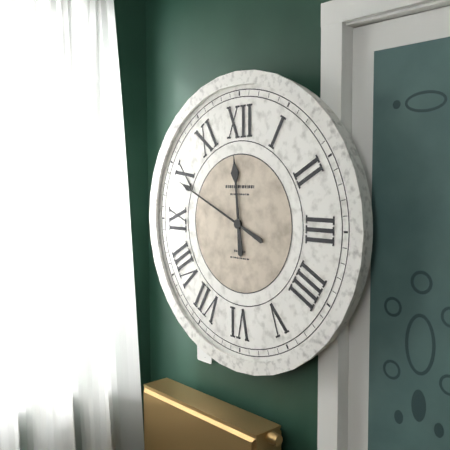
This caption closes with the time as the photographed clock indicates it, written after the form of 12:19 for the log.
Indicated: 11:49
